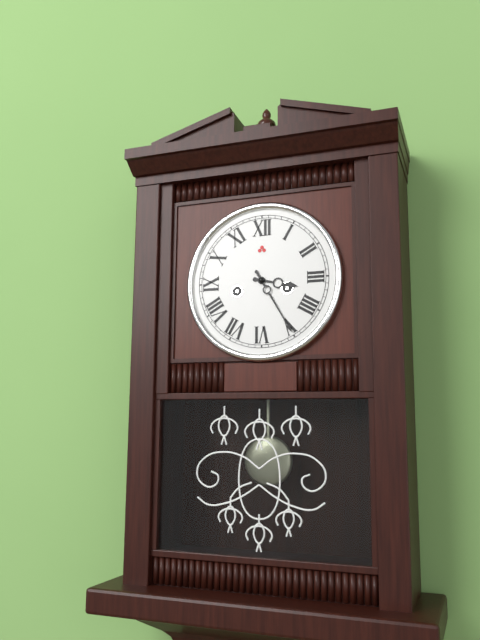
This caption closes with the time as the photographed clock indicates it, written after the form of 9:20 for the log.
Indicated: 3:25
